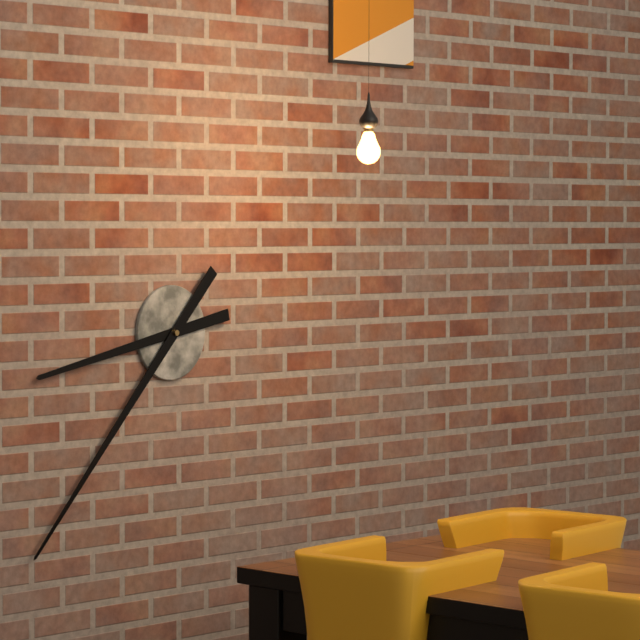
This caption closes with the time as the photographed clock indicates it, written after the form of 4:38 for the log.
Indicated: 8:37
